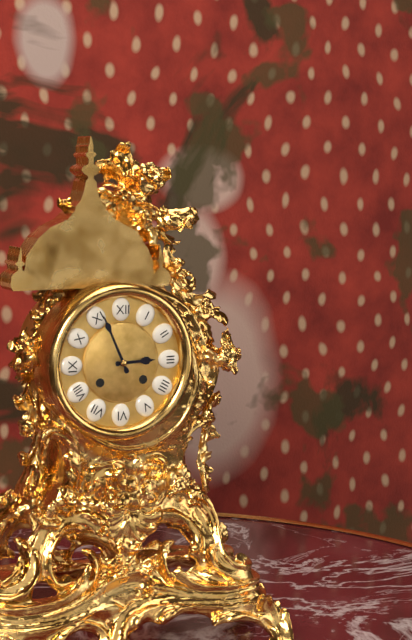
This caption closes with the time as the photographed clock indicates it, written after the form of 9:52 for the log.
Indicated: 2:56
